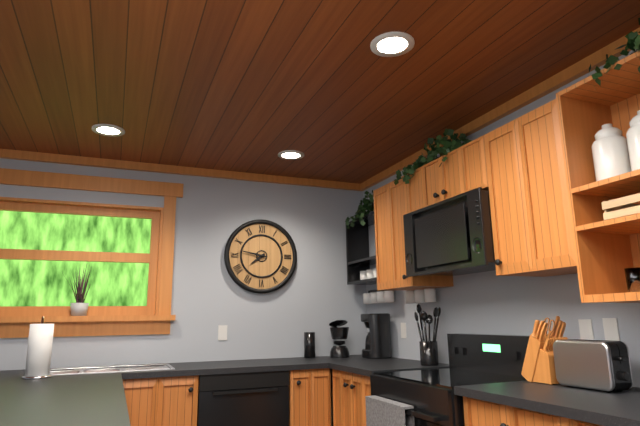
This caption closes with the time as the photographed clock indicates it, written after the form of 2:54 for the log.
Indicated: 7:47
